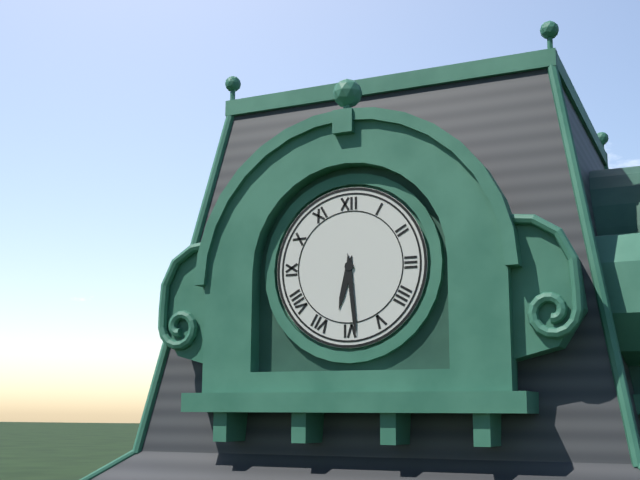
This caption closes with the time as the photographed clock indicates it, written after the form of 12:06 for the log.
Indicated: 6:29
